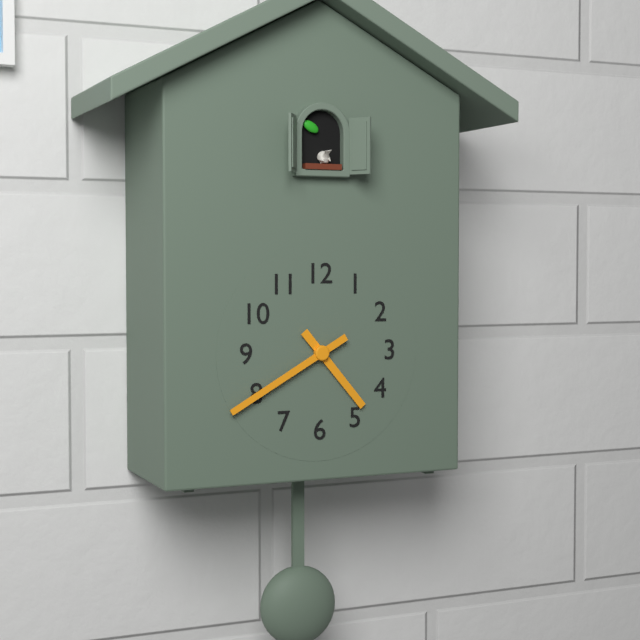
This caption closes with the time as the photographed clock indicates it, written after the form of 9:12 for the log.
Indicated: 4:40
